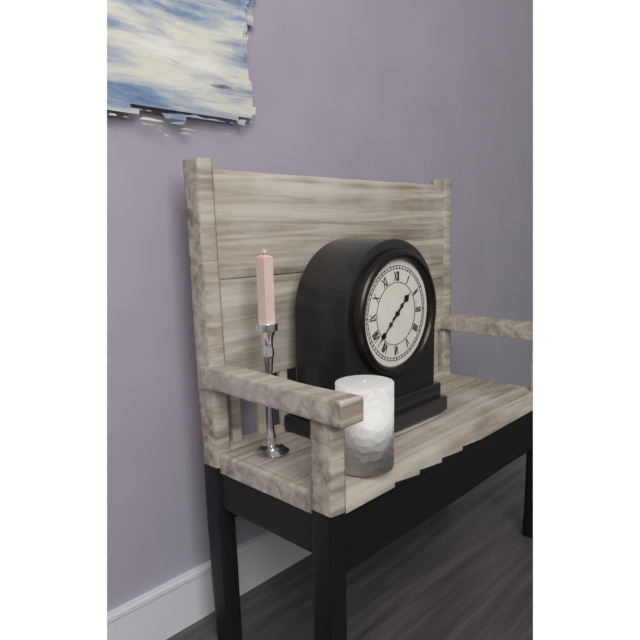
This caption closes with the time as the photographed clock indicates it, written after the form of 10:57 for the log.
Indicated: 1:38
